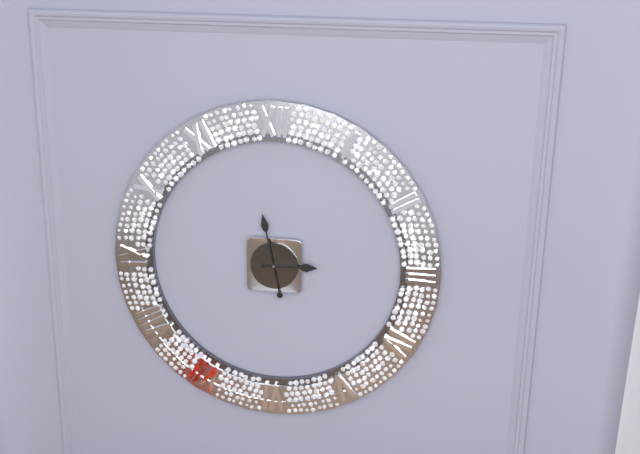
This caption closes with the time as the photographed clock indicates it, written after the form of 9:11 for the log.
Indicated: 2:58
